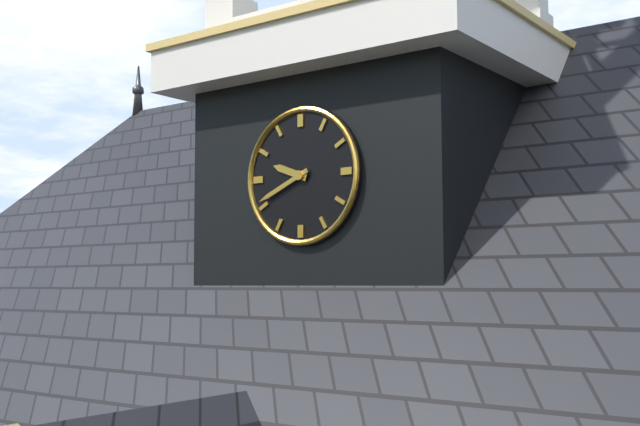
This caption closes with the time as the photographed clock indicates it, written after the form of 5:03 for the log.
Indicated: 9:41
